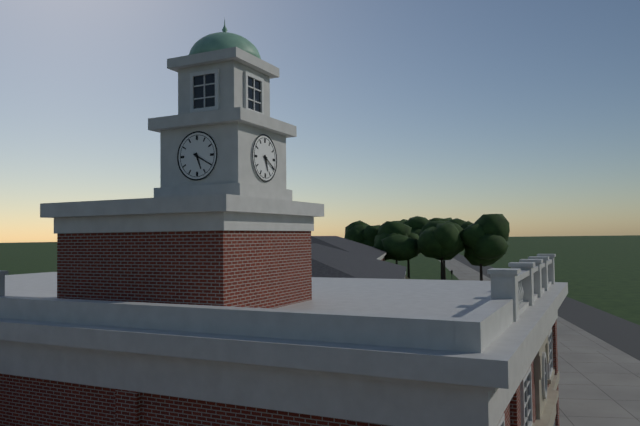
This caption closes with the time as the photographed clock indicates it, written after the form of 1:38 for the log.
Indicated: 5:20
